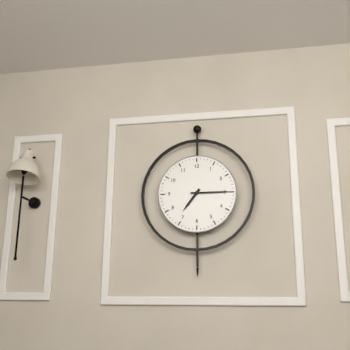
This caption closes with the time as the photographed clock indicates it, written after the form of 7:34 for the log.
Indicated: 7:15
